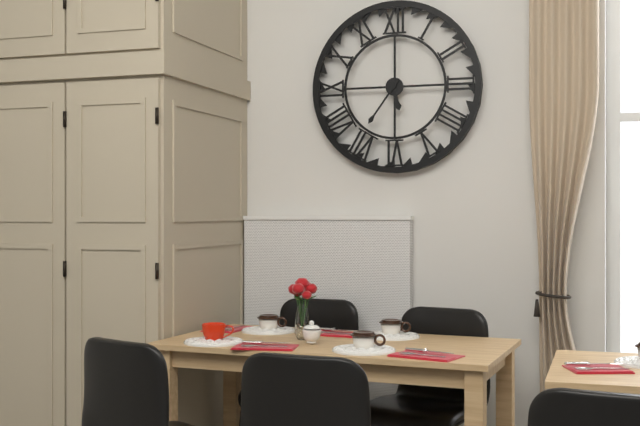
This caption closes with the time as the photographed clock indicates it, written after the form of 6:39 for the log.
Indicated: 5:36
